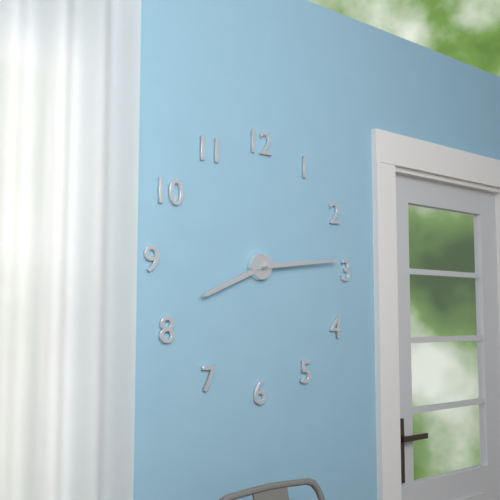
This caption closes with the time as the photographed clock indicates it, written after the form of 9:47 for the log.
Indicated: 8:14
